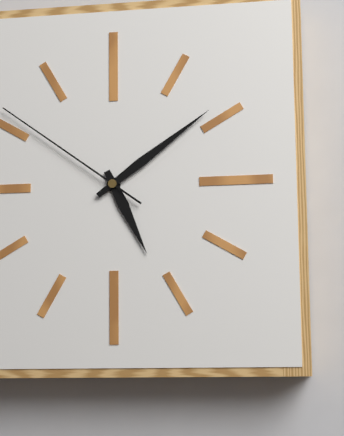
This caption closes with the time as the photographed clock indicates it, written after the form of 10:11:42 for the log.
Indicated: 5:09:51
